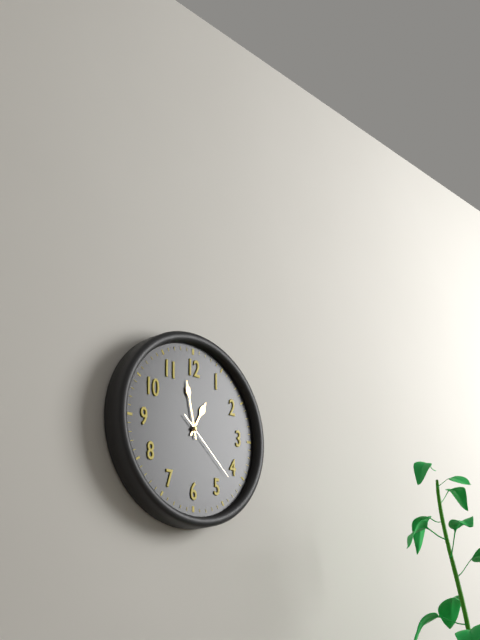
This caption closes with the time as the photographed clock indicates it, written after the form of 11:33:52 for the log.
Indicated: 12:58:22
